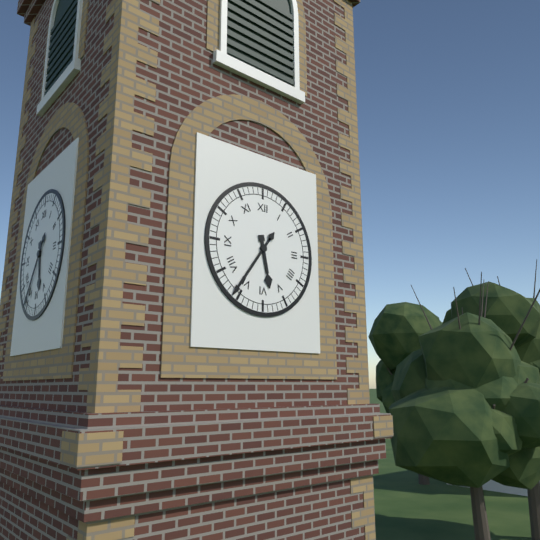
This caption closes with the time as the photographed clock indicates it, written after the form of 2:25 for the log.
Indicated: 5:36
